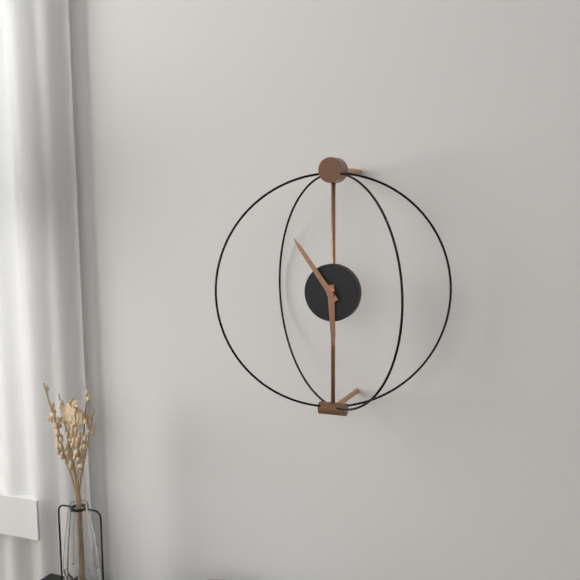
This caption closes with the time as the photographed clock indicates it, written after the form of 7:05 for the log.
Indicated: 5:54
